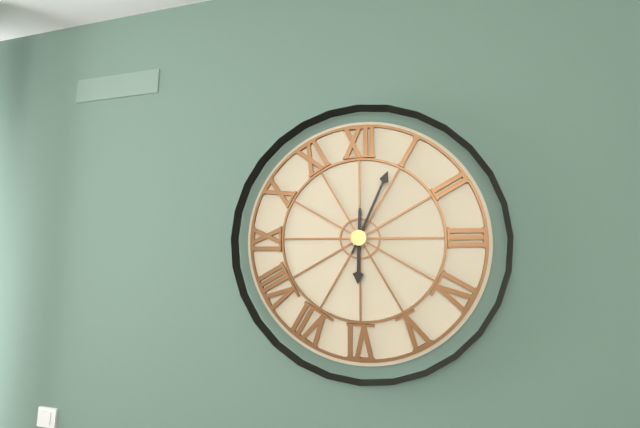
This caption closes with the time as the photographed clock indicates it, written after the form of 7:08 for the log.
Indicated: 6:04
